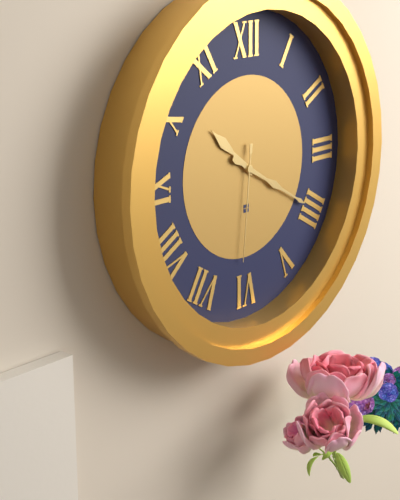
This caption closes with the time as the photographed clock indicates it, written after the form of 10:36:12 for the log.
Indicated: 10:20:31
